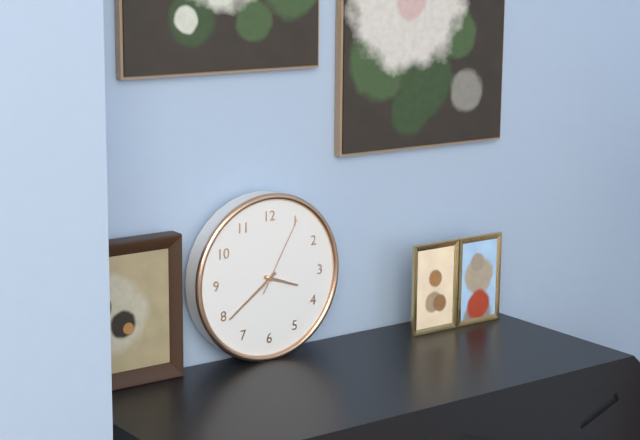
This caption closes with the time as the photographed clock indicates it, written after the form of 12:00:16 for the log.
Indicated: 3:39:05
